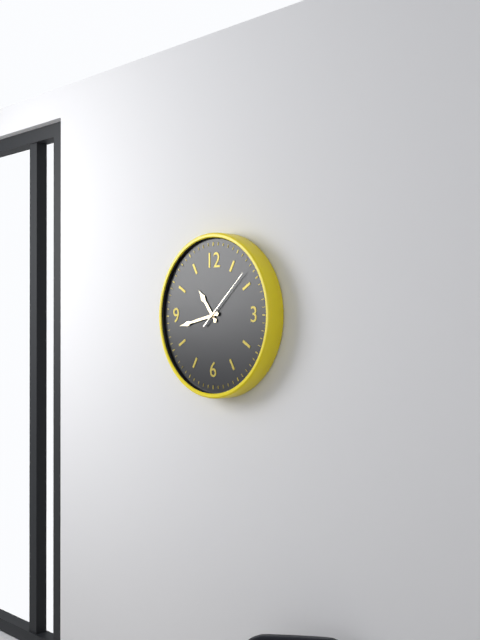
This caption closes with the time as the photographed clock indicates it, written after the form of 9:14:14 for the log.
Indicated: 10:43:08
